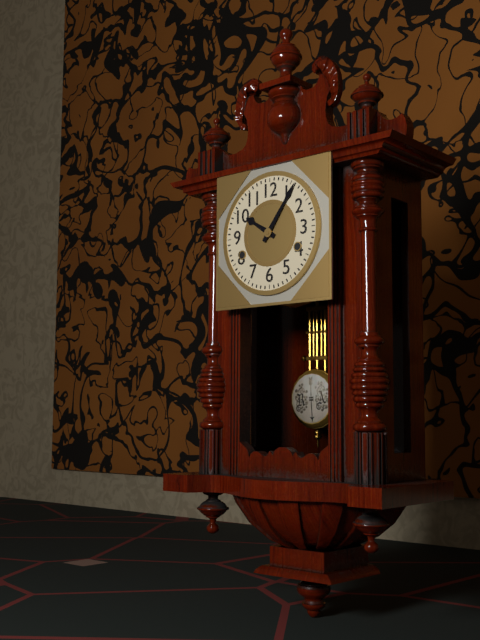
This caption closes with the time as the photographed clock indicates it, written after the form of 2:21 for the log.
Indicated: 10:06
